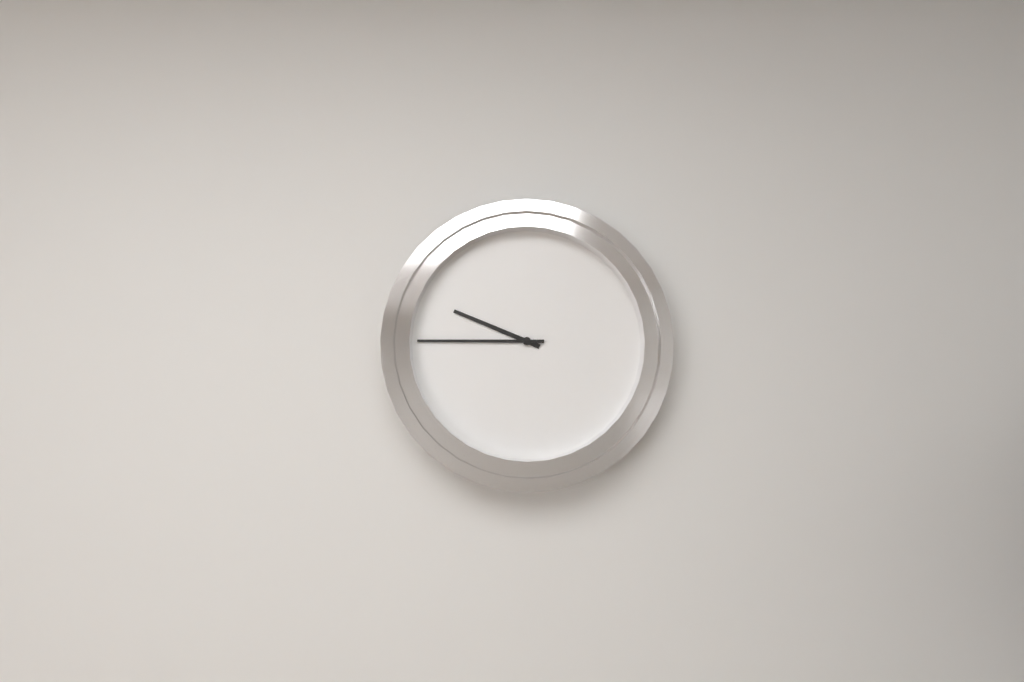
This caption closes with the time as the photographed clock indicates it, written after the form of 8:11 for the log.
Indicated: 9:45
